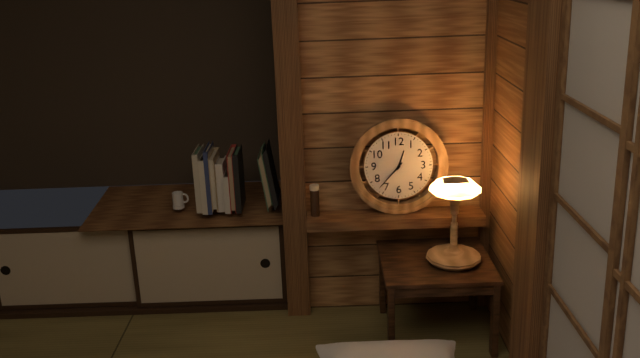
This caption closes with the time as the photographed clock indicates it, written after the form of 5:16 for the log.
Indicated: 12:37
